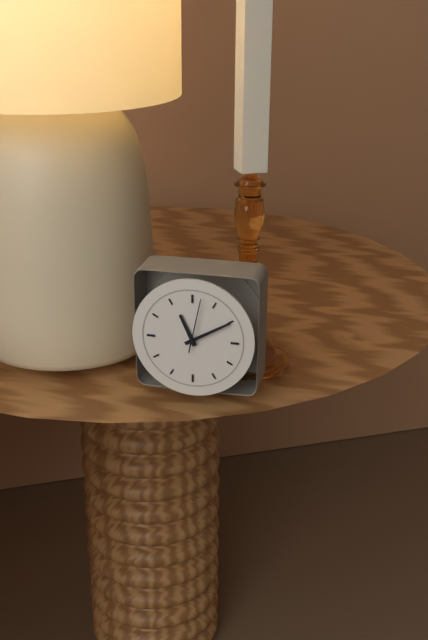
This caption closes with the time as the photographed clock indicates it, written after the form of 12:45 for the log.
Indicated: 11:10
